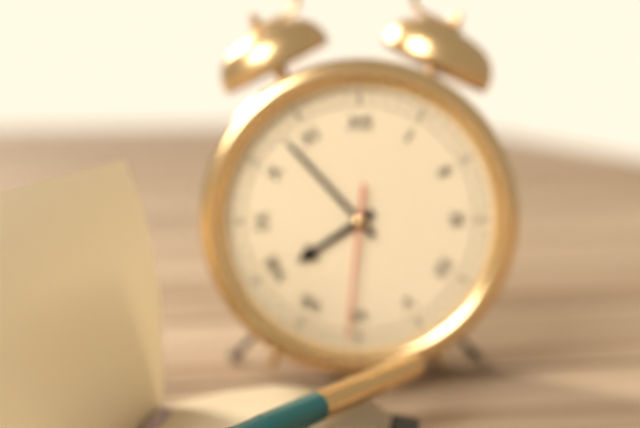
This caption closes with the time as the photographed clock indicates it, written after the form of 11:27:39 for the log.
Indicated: 7:53:31
